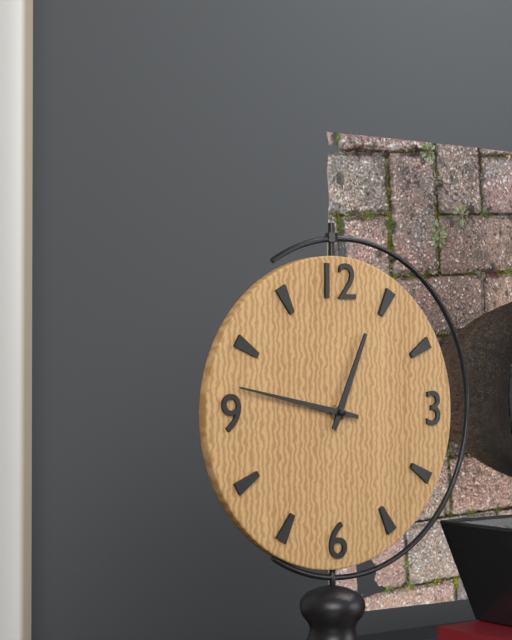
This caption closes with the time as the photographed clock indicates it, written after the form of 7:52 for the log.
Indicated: 12:47
